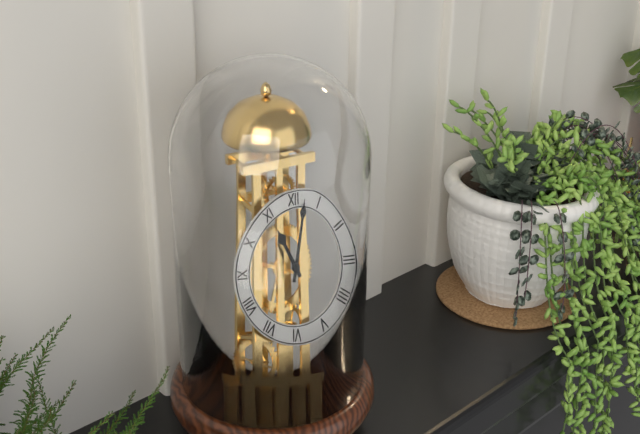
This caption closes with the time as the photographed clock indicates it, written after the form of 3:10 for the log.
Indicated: 11:02
